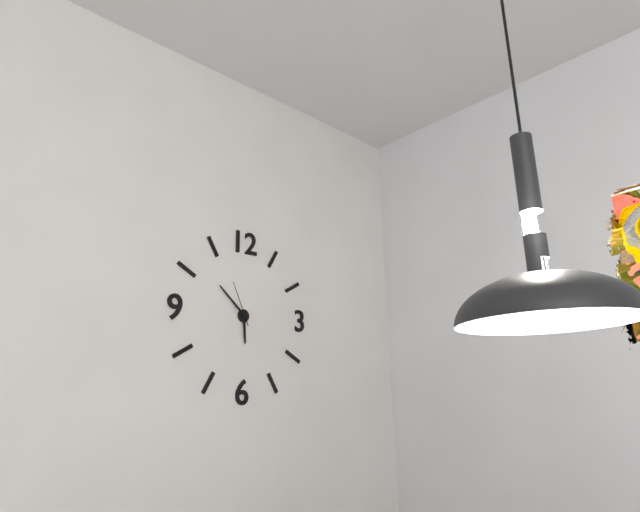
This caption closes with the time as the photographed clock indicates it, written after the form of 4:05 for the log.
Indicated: 5:52
